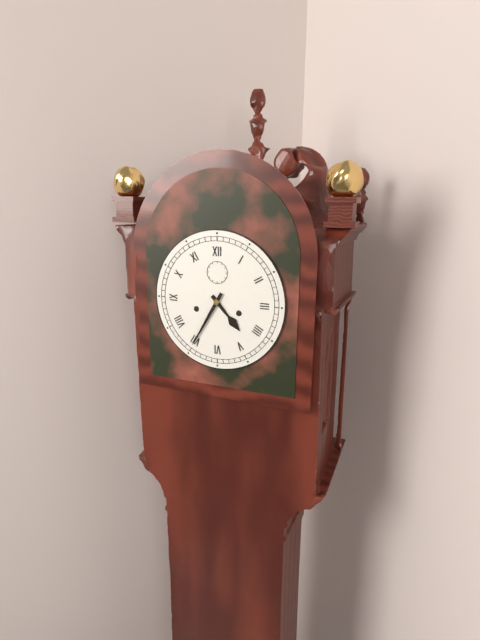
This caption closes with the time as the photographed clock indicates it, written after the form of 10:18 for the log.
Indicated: 4:35
